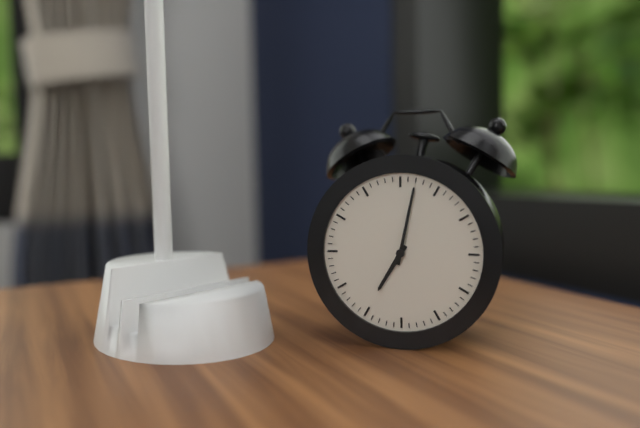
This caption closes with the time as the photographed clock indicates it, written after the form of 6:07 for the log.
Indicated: 7:02
